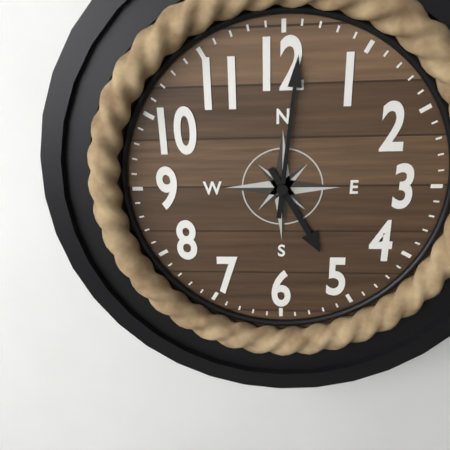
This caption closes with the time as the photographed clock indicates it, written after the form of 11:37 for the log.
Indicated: 5:01
